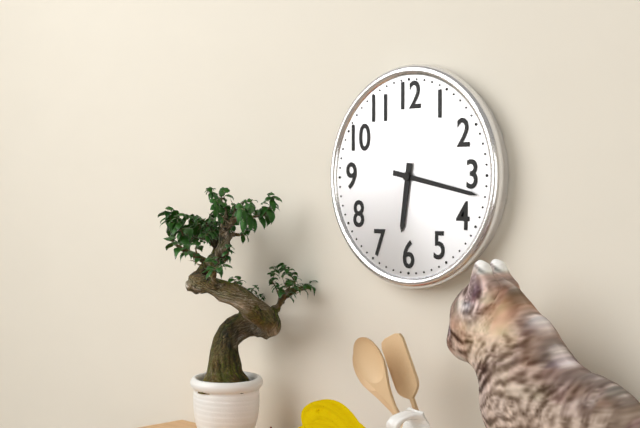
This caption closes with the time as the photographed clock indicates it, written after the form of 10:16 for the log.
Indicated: 6:17
